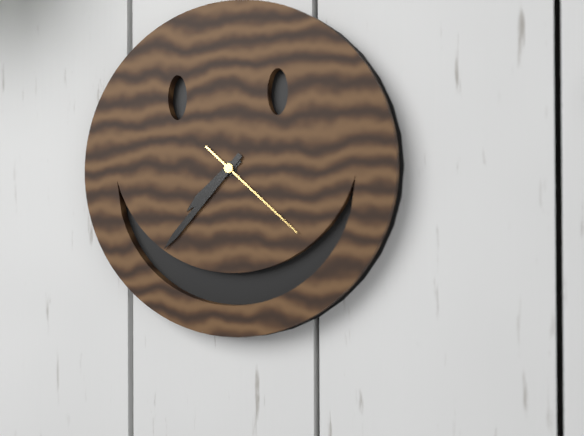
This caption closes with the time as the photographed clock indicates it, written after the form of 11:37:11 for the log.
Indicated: 7:37:22
